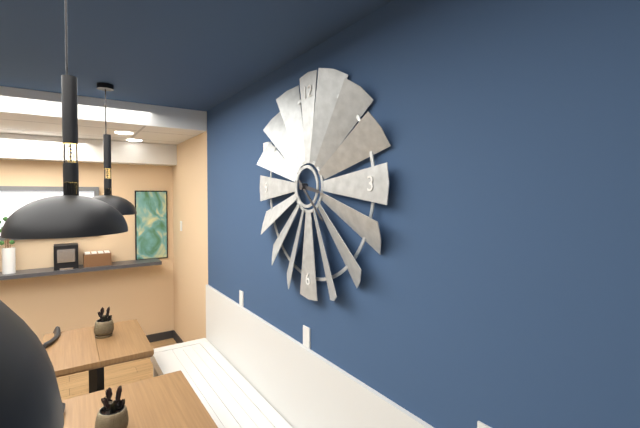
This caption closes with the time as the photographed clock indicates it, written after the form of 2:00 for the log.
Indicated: 3:22
